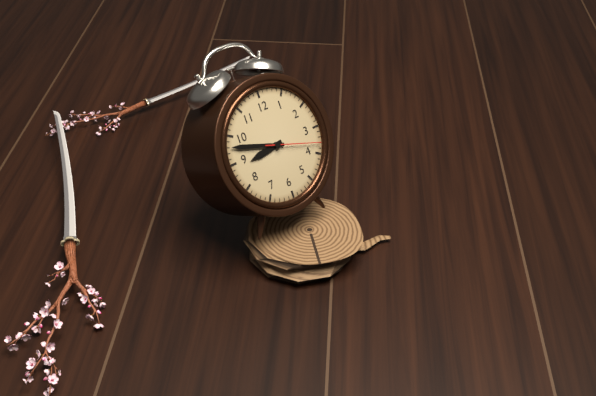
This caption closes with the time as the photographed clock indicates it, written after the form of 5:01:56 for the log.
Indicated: 8:48:18
